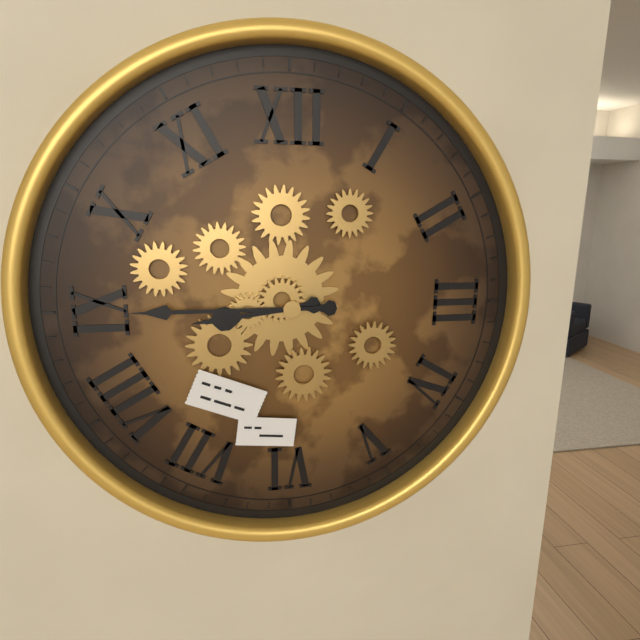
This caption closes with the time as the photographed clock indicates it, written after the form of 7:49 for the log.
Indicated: 8:45
